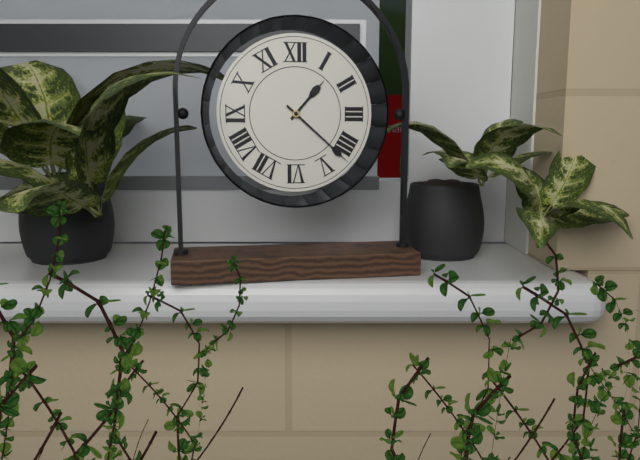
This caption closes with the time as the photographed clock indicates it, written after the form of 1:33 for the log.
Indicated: 1:22
